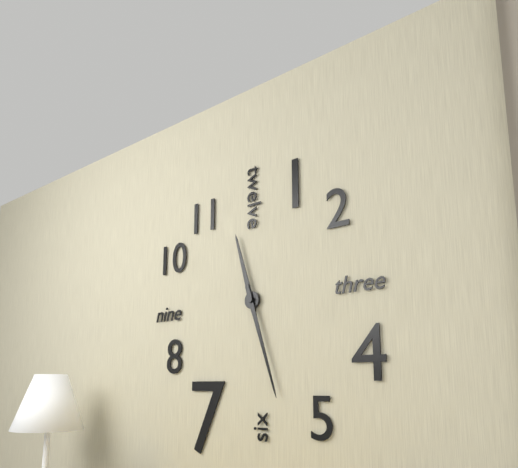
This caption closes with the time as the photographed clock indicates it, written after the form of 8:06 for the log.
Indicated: 11:27
